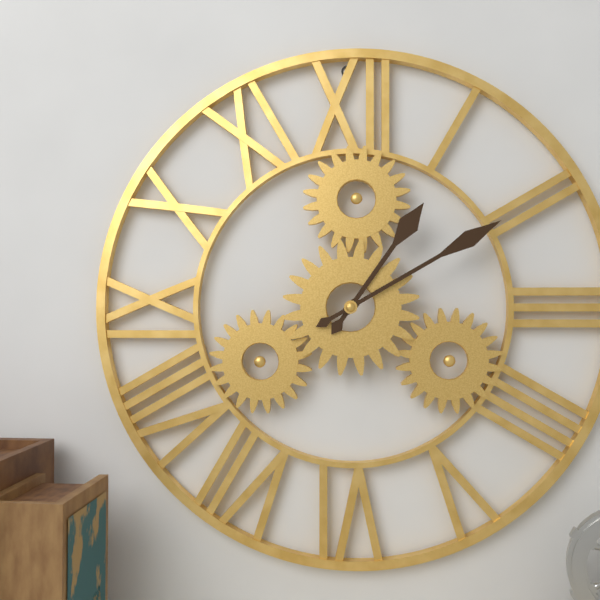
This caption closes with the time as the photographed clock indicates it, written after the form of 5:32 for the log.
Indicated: 1:10
